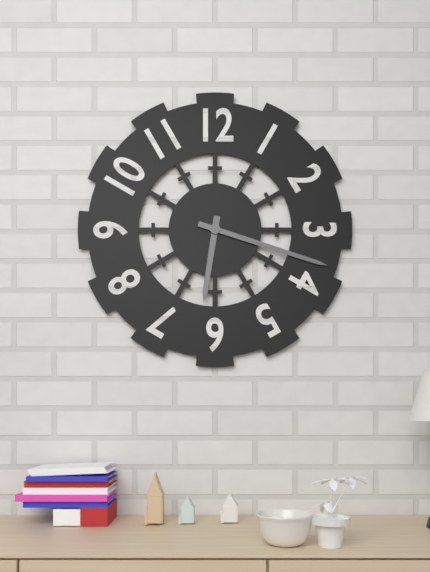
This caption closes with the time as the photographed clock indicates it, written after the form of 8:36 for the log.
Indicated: 6:18
